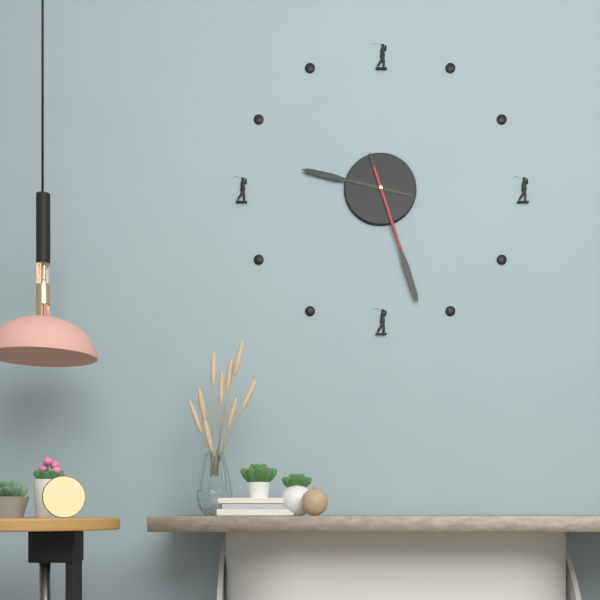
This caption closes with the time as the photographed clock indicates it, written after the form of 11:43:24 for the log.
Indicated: 9:27:27
